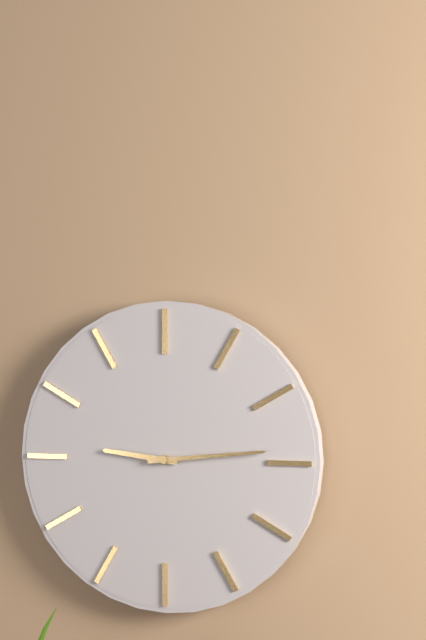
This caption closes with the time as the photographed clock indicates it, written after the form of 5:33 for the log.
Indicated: 9:14
